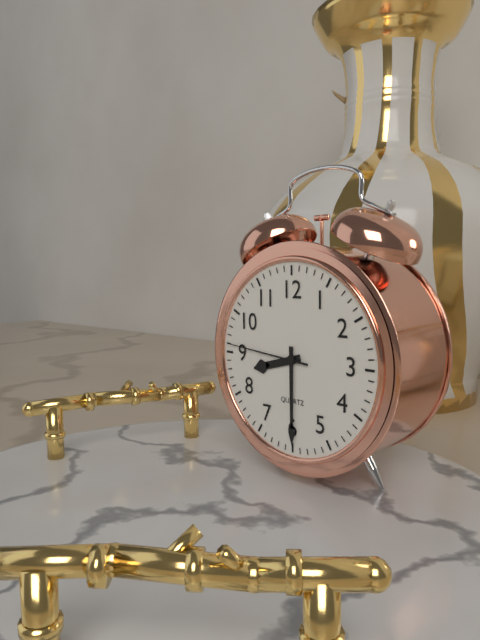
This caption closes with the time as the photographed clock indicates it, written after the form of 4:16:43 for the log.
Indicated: 8:30:46
